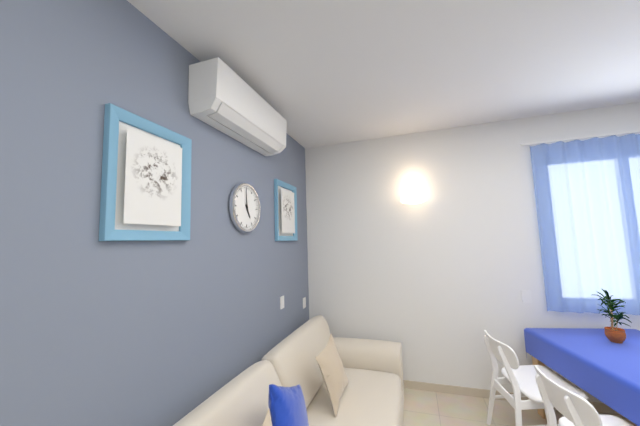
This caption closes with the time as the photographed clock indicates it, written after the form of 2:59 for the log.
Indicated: 4:59
